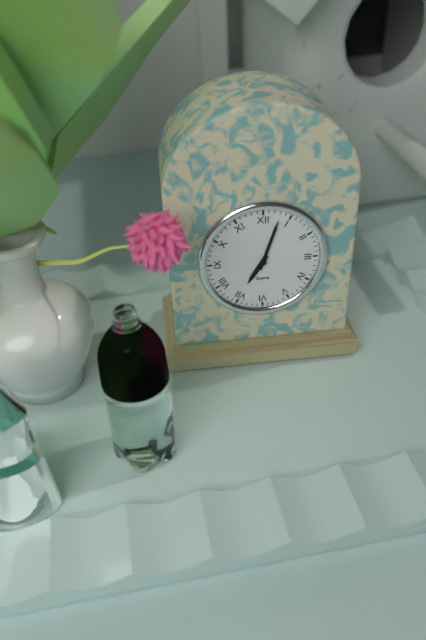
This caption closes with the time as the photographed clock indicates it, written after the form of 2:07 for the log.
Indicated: 7:03
